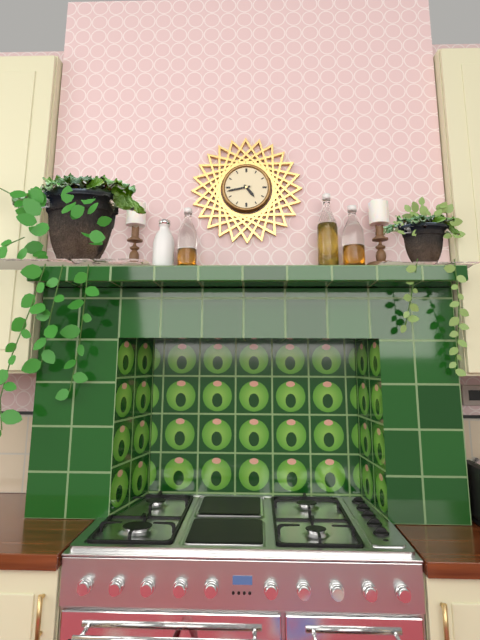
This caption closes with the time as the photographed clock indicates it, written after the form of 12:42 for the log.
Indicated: 4:43
